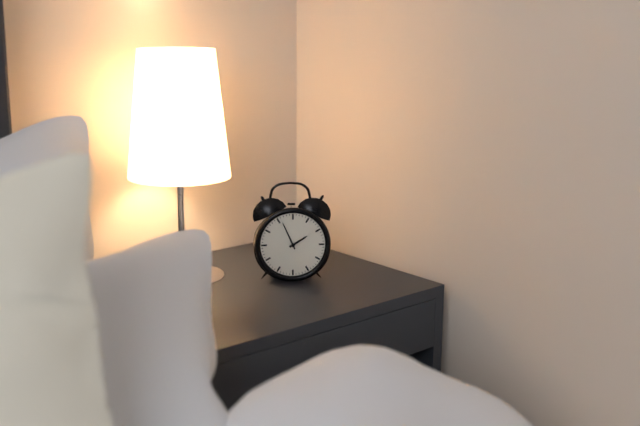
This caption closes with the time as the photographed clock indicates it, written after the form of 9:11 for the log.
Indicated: 1:56
